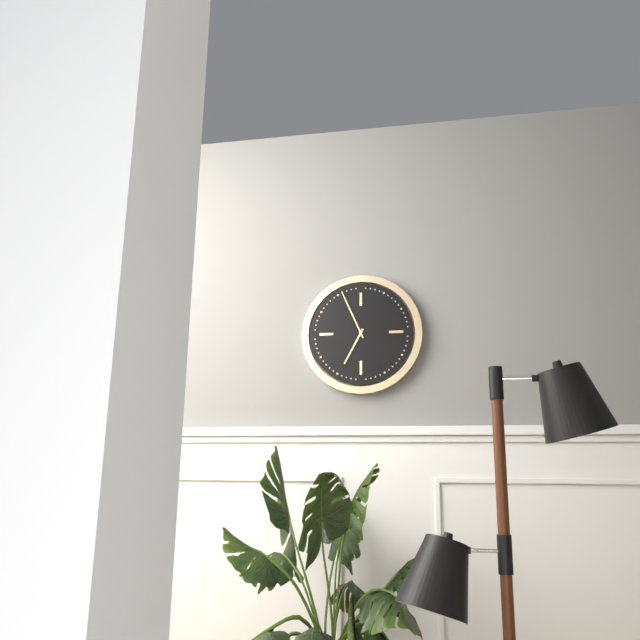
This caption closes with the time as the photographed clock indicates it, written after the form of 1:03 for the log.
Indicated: 6:56
